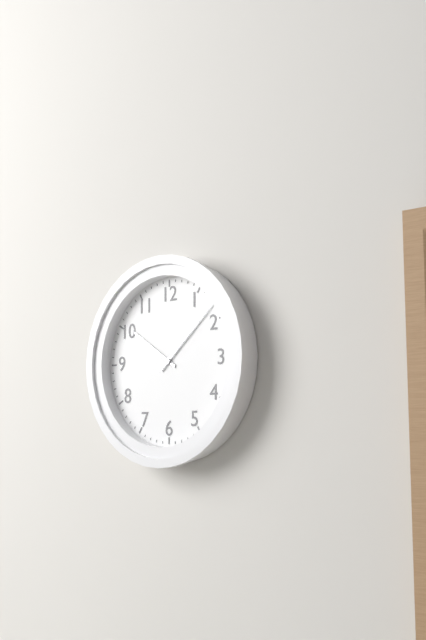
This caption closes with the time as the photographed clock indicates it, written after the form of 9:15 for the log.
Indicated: 10:08
